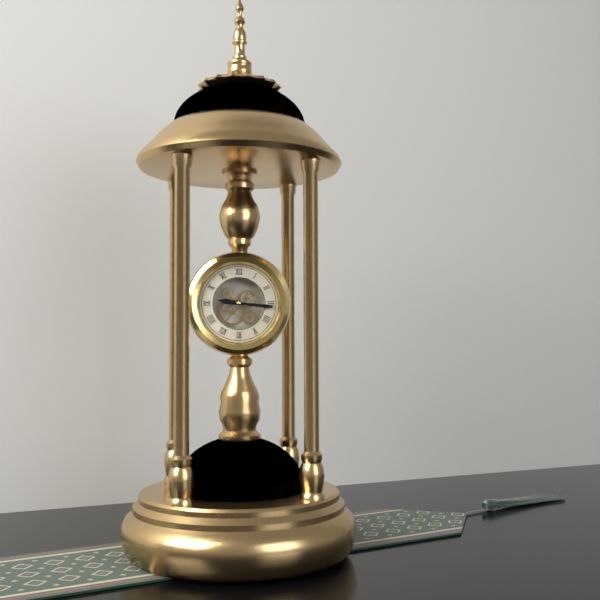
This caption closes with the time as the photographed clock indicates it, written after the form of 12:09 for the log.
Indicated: 9:16
